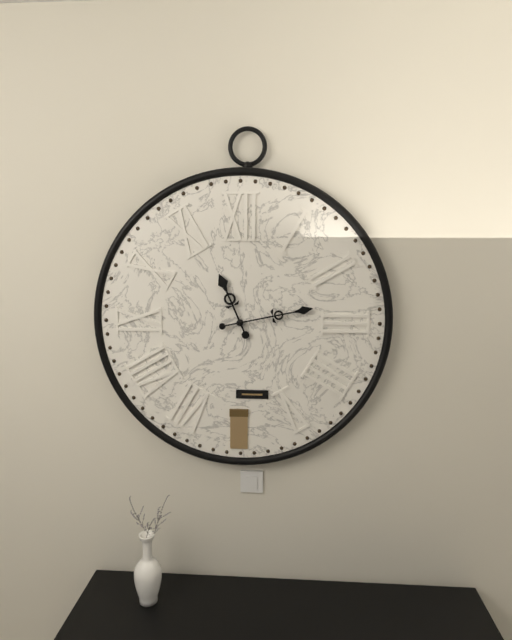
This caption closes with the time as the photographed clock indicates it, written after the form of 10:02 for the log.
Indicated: 11:13
